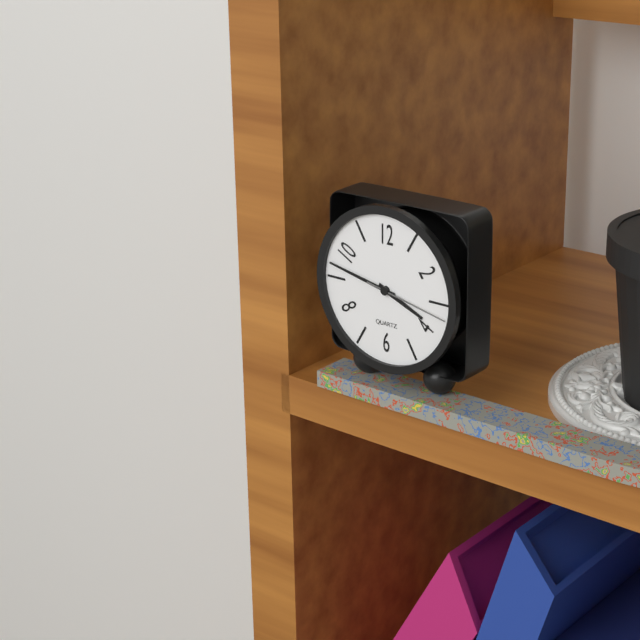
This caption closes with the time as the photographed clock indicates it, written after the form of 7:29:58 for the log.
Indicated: 3:47:17
